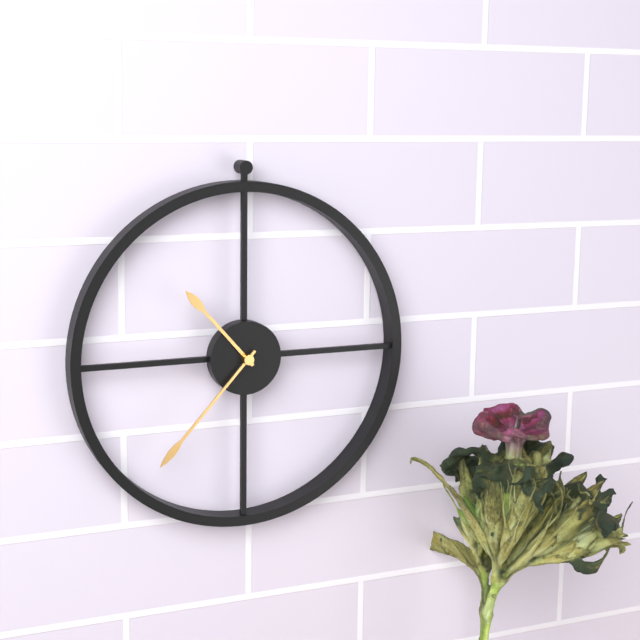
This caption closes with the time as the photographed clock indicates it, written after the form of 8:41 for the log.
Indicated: 10:37
